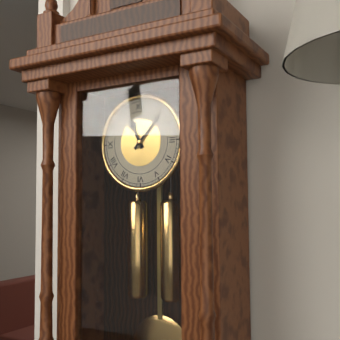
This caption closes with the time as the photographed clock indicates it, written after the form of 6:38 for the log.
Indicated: 11:07
